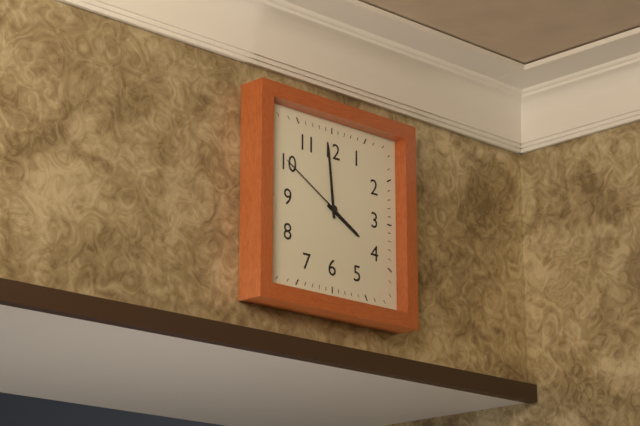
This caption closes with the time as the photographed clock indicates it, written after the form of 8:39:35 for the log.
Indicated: 3:59:50
